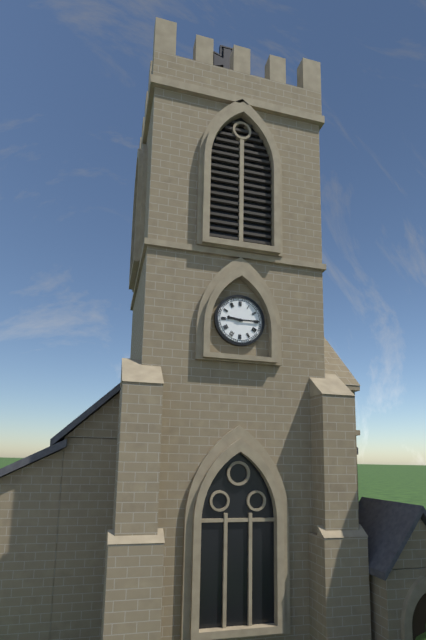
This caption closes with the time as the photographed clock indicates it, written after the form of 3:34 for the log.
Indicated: 9:15
